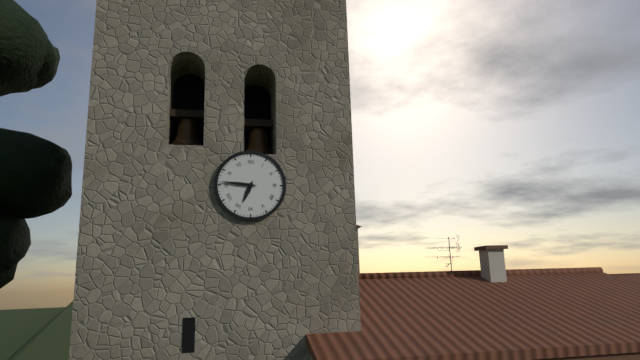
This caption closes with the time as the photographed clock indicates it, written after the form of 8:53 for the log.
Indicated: 6:46
